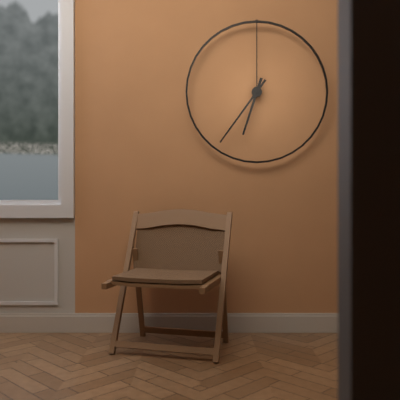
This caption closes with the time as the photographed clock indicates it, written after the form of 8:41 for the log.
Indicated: 6:36
